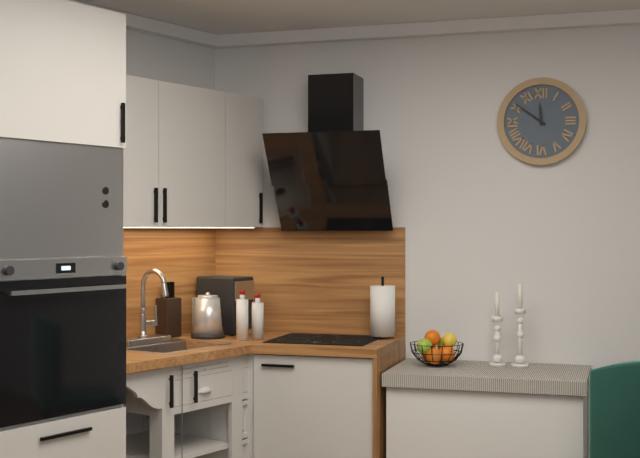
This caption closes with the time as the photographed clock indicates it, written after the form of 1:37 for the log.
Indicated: 11:51
